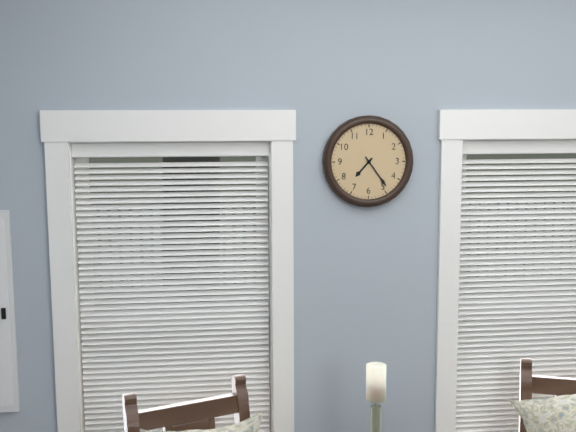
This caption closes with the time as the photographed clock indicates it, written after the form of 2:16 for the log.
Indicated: 7:24
